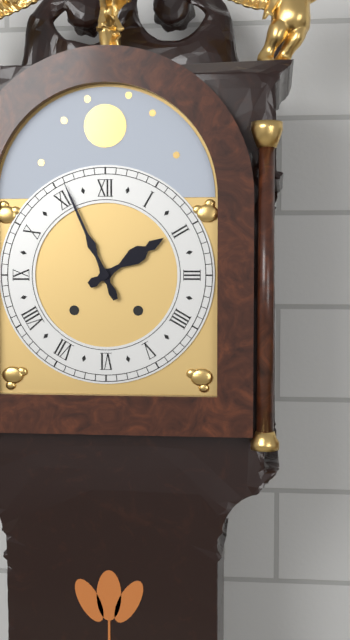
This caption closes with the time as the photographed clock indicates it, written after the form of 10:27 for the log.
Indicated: 1:56
